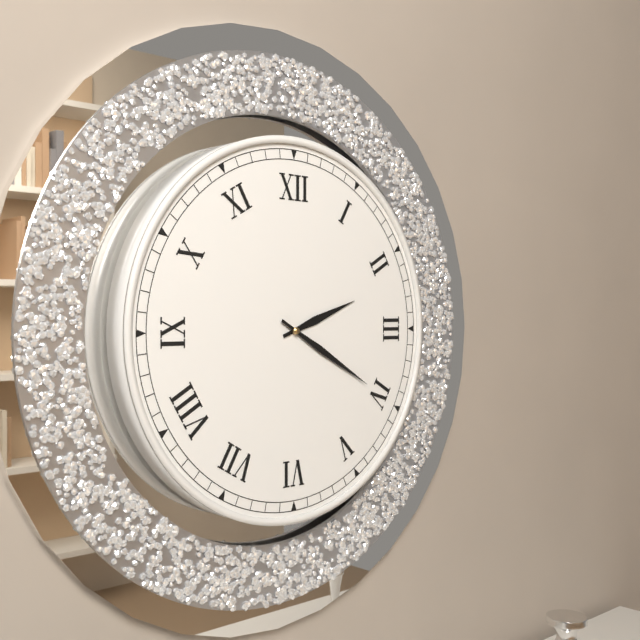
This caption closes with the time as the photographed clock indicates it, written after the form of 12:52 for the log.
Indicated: 2:20
